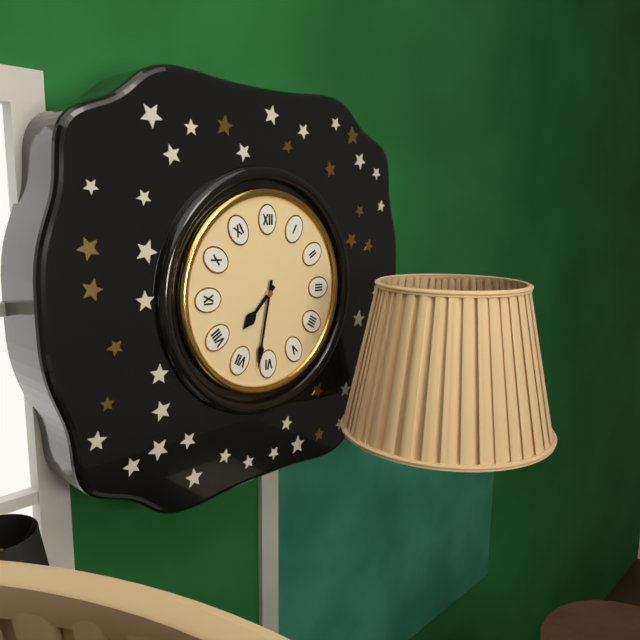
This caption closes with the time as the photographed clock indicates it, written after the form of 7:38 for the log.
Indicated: 7:32
